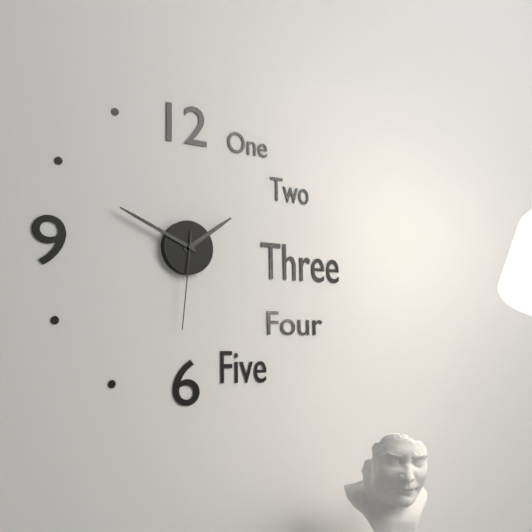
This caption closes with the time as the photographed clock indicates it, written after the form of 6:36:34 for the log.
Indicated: 1:49:31
